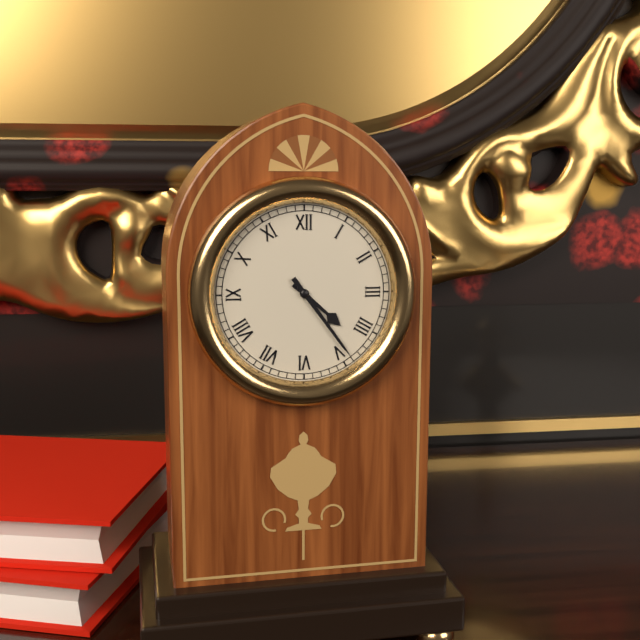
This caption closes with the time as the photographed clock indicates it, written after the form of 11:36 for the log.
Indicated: 4:24
